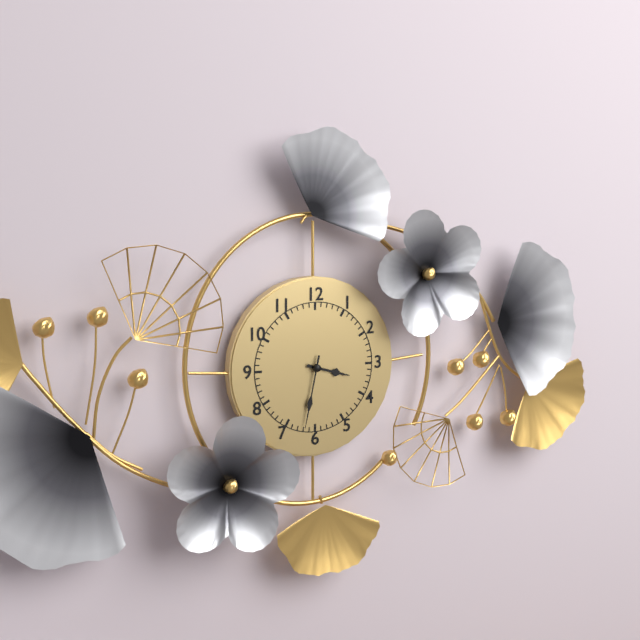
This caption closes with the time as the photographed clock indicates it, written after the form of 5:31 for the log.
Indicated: 3:32
